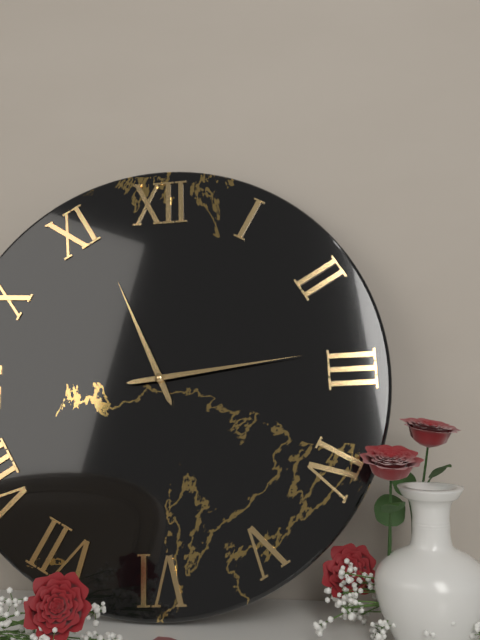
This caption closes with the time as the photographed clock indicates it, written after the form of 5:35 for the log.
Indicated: 11:14
